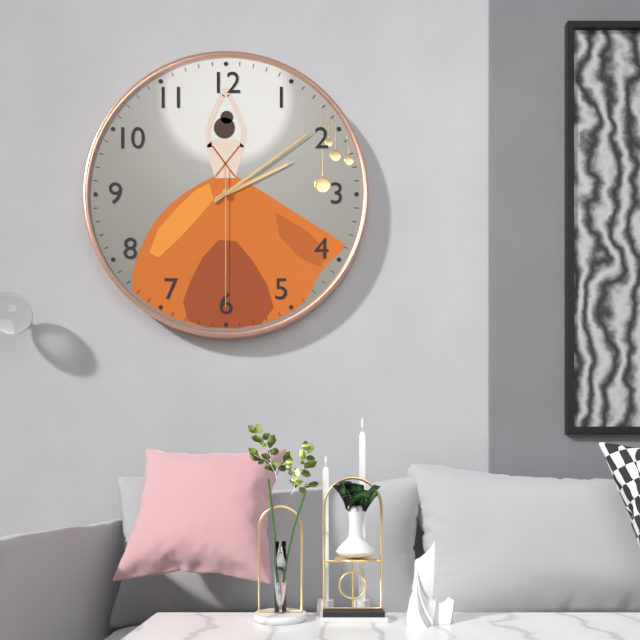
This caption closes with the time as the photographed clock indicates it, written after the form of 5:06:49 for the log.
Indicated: 2:09:30
